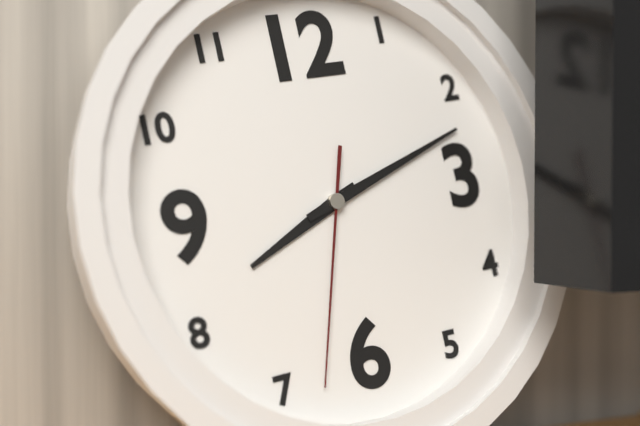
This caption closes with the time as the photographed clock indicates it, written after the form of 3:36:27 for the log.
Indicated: 8:12:33
